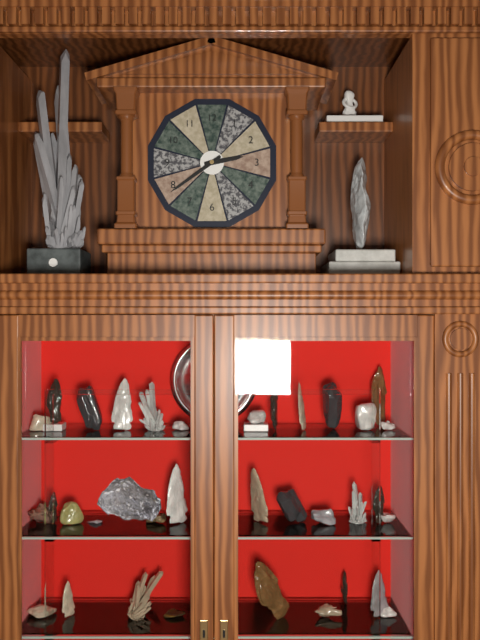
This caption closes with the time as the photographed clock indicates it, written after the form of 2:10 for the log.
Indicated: 2:39
